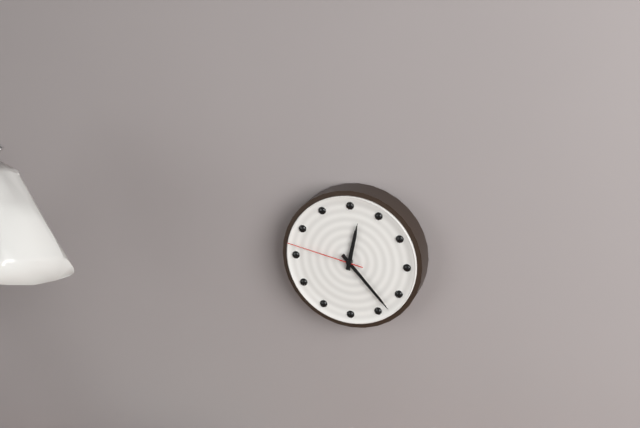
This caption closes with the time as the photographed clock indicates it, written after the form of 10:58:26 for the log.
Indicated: 12:23:47
